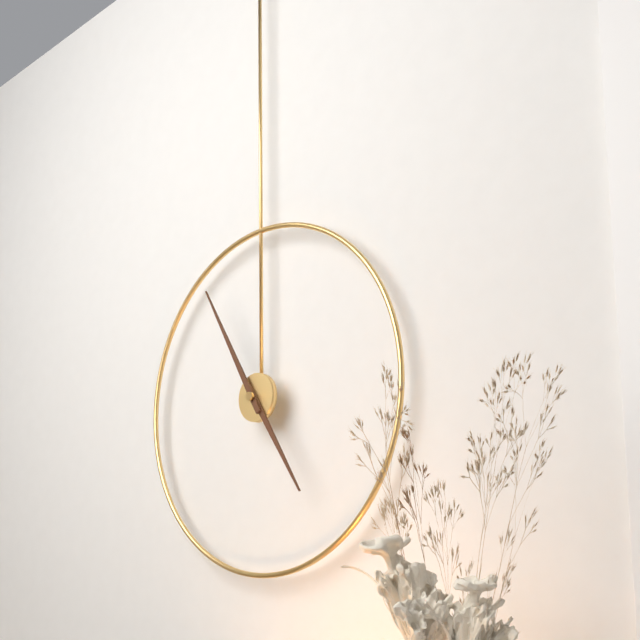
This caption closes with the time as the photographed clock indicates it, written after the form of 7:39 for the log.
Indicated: 4:55
